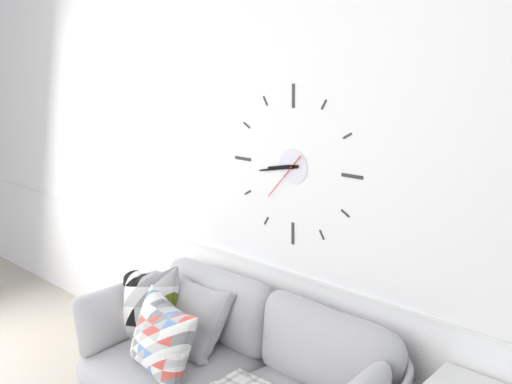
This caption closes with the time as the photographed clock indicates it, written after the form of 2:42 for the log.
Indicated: 8:43
